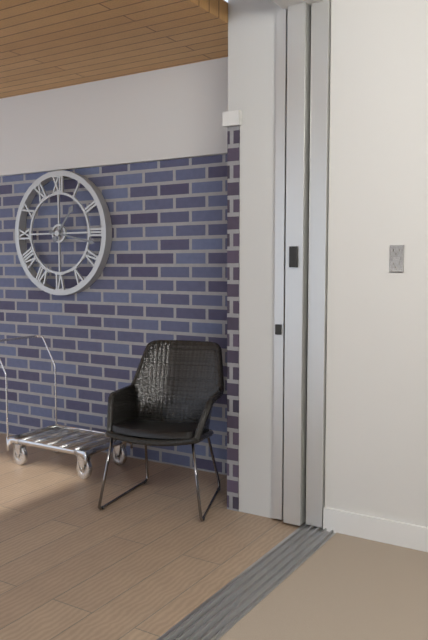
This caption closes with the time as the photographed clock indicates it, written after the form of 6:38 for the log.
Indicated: 1:17
